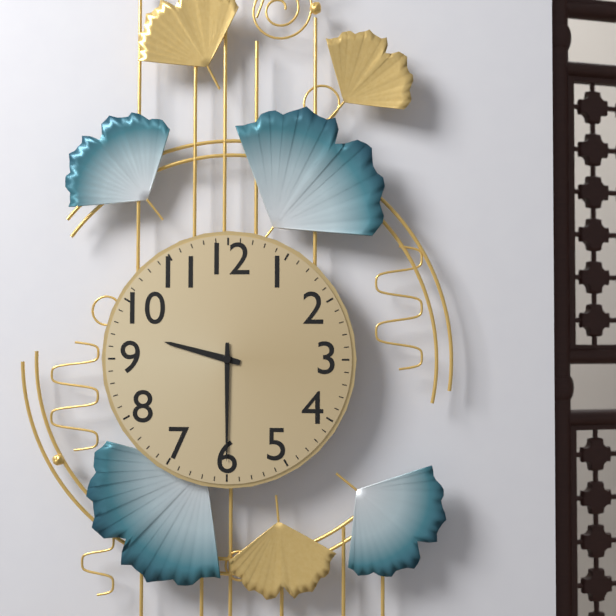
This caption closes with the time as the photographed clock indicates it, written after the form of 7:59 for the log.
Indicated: 9:30
